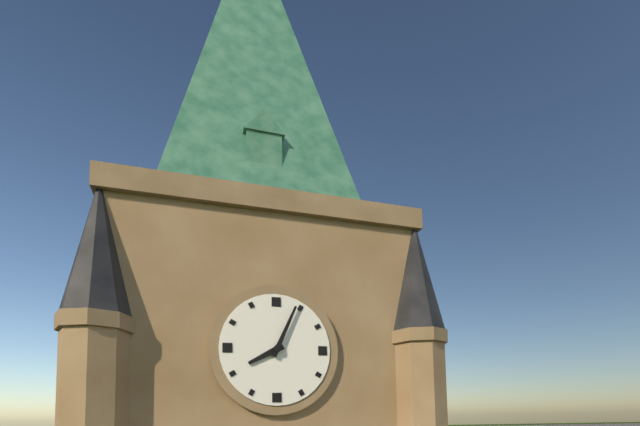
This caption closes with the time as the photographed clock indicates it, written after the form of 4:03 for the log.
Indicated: 8:04
